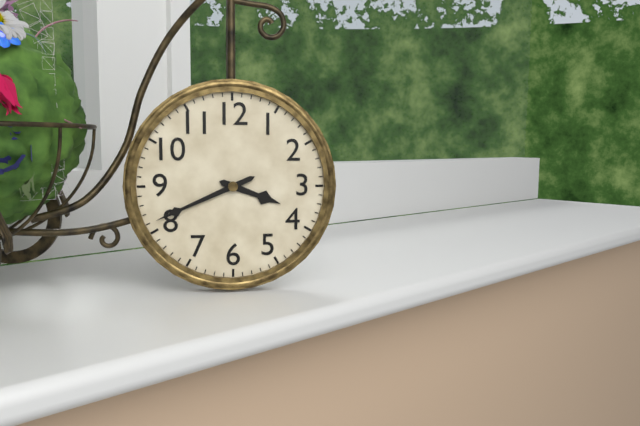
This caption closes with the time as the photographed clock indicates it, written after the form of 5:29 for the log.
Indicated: 3:41
